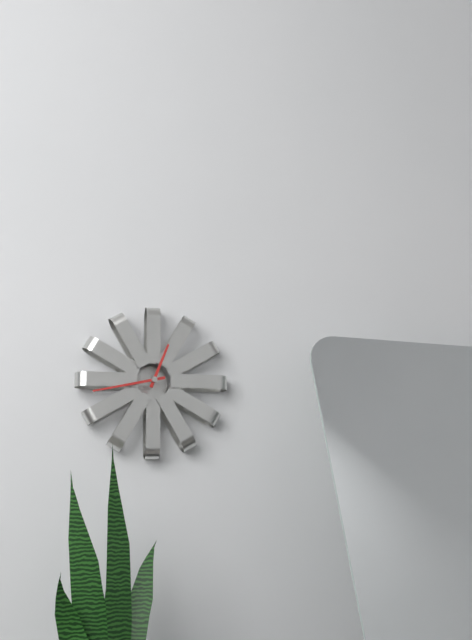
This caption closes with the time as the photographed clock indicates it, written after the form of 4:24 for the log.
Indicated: 12:43
